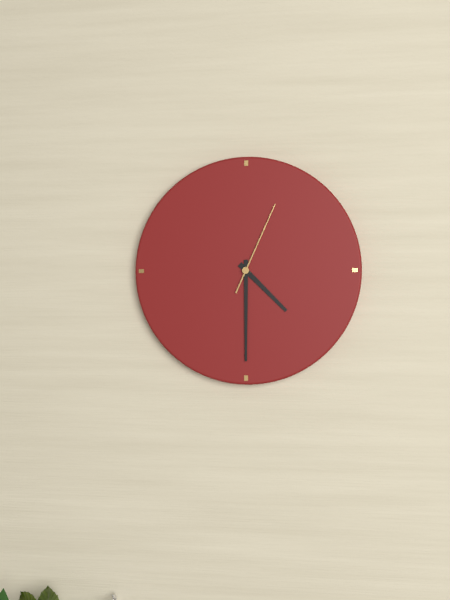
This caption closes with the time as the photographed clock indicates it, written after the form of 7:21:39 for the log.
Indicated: 4:30:04
